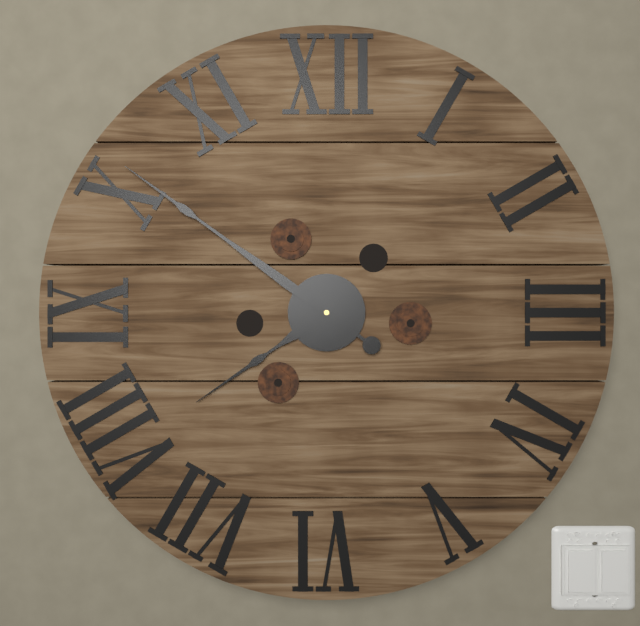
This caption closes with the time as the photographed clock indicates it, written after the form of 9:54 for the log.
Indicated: 7:51
